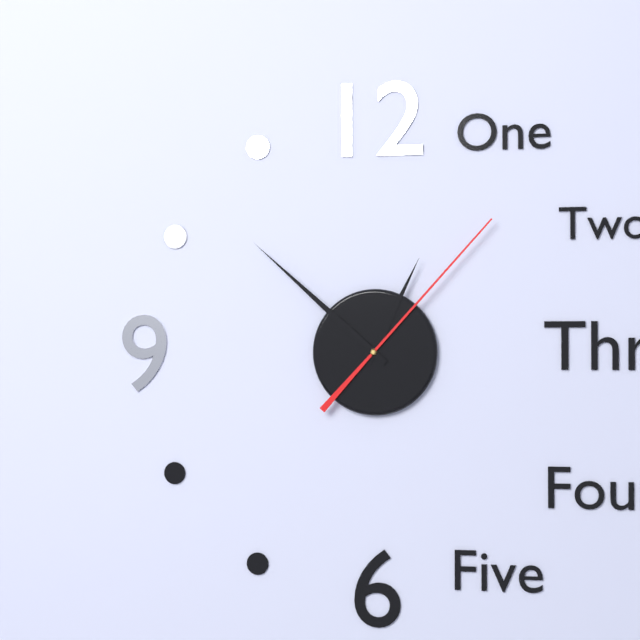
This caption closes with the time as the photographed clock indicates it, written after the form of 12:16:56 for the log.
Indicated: 12:52:07
